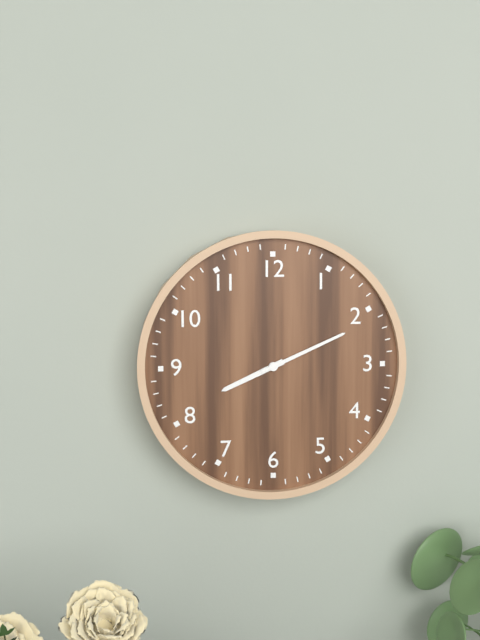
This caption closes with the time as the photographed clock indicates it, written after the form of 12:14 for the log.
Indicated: 8:11
